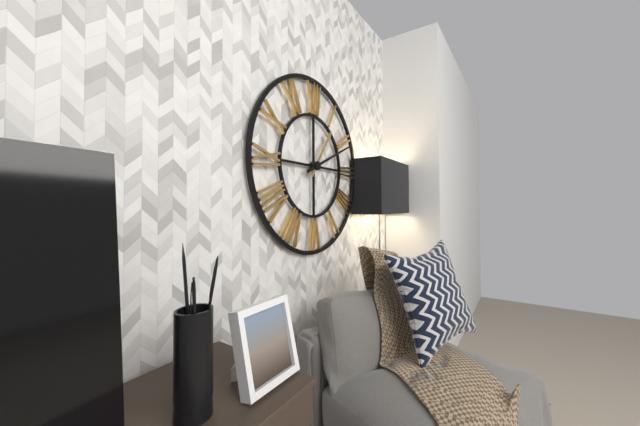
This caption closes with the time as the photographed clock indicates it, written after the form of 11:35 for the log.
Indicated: 1:11
